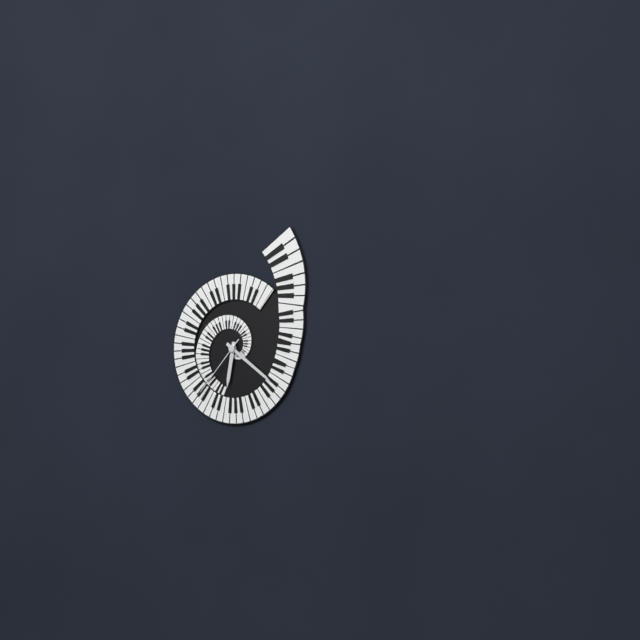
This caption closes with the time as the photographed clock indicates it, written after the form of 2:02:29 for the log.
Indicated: 6:21:37
